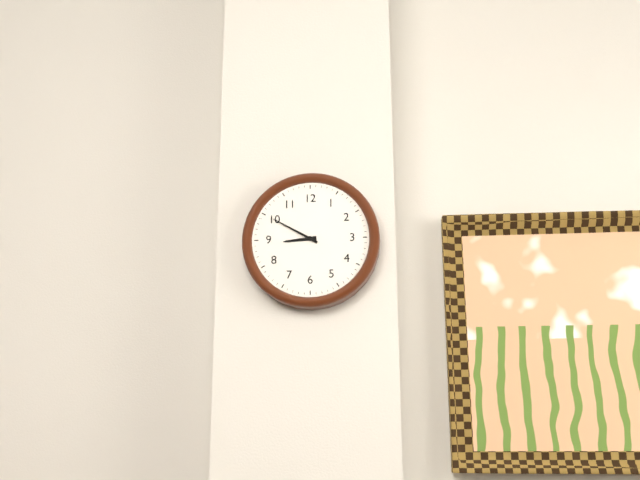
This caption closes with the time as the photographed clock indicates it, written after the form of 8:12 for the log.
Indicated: 8:50
